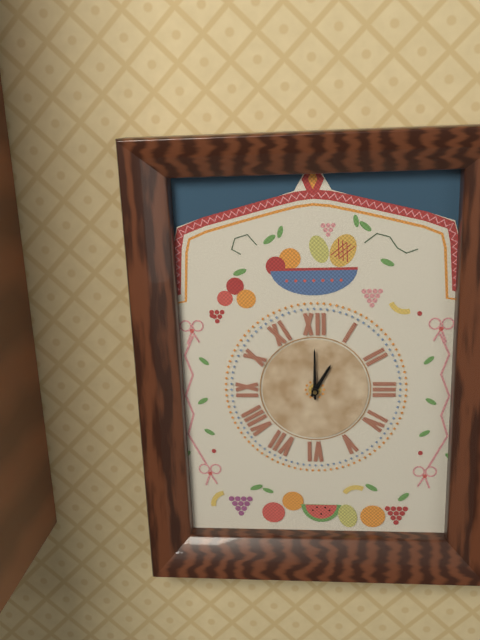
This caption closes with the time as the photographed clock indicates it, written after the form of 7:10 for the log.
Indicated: 1:00
